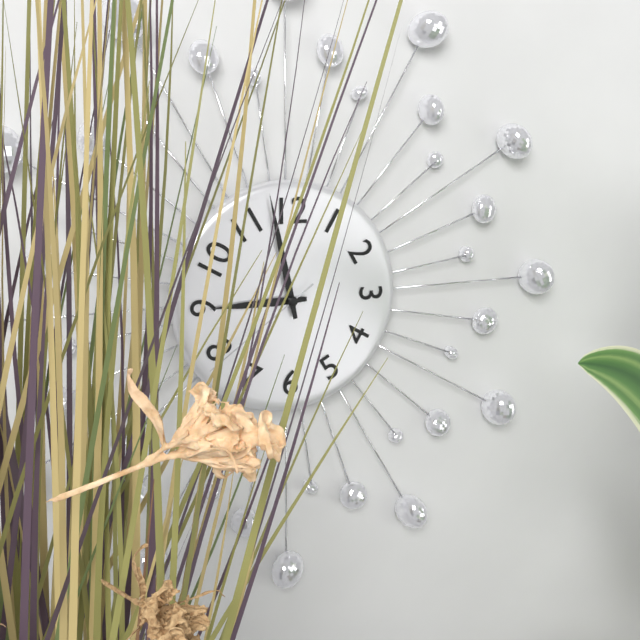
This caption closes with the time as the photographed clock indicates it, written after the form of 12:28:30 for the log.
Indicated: 8:58:39
